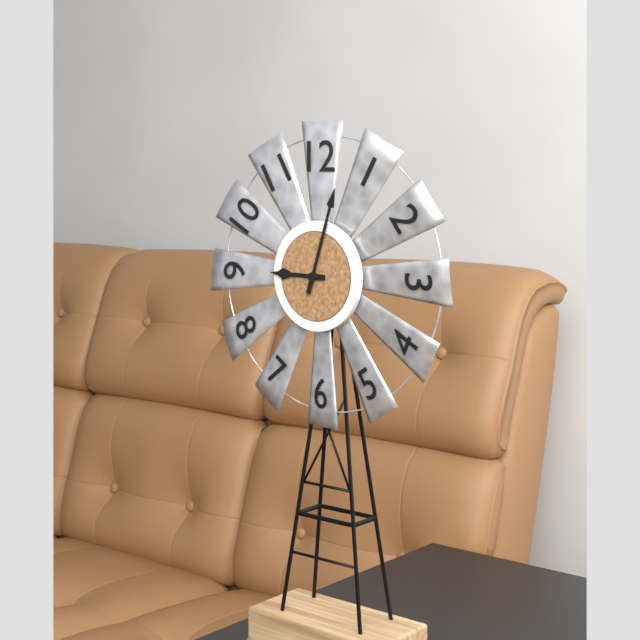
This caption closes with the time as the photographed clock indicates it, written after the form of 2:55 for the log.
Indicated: 9:03
